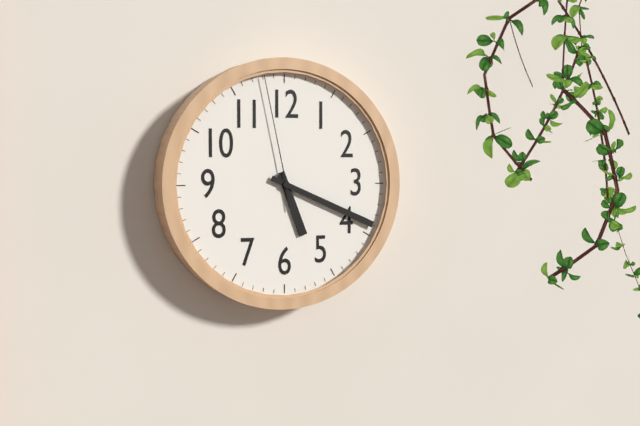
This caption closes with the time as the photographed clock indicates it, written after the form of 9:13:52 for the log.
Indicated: 5:19:58
